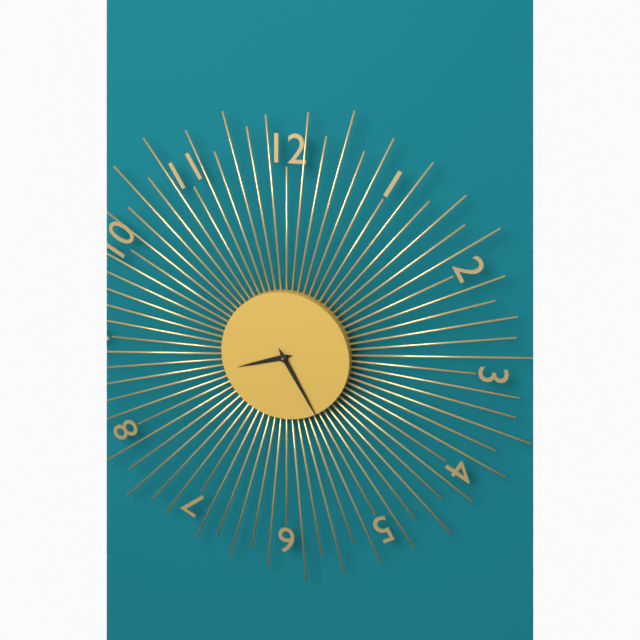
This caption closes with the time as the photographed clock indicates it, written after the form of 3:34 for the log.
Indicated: 8:25
